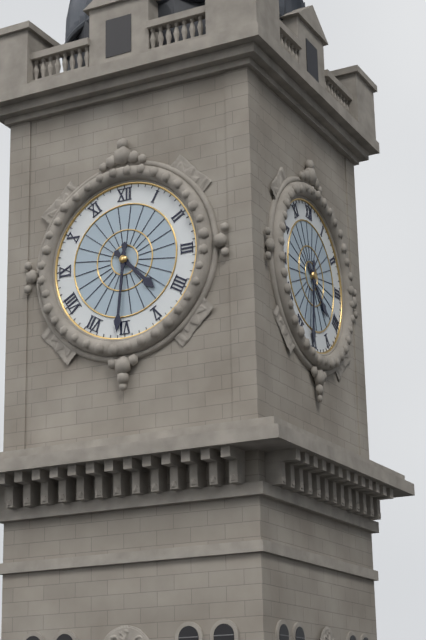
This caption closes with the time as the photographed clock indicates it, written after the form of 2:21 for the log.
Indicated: 4:31
